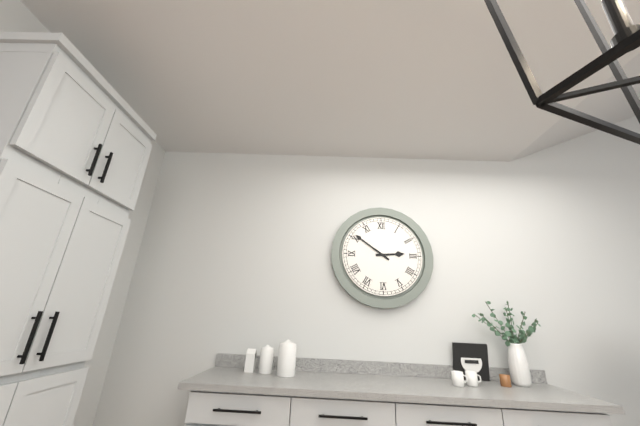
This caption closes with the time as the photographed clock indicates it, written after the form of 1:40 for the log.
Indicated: 2:51
